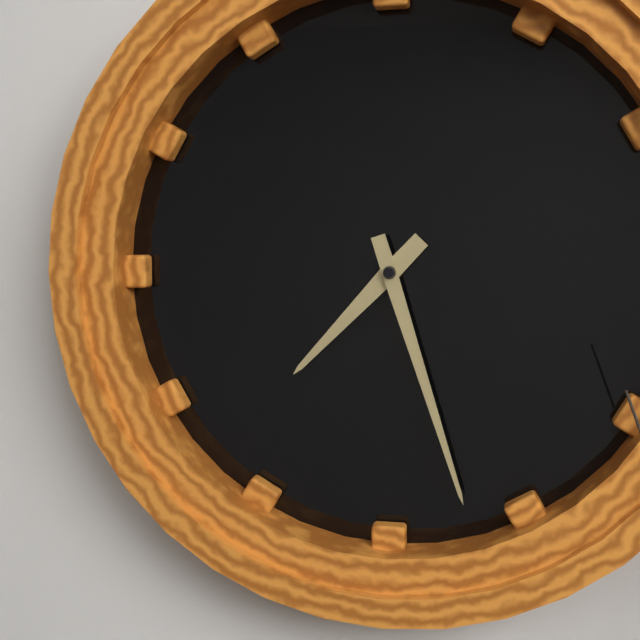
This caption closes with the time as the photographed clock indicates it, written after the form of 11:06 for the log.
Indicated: 7:27
